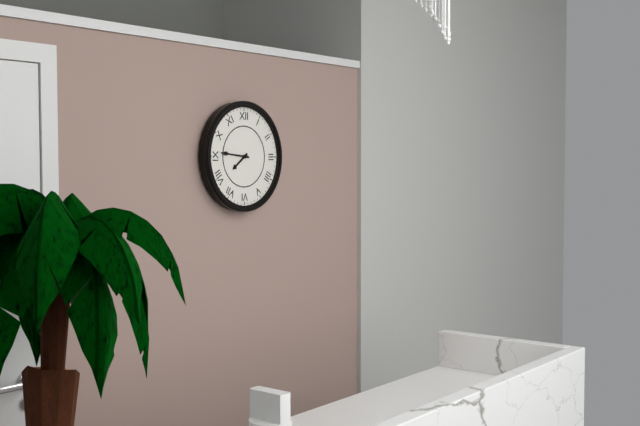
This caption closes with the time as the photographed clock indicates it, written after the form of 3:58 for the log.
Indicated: 7:46
